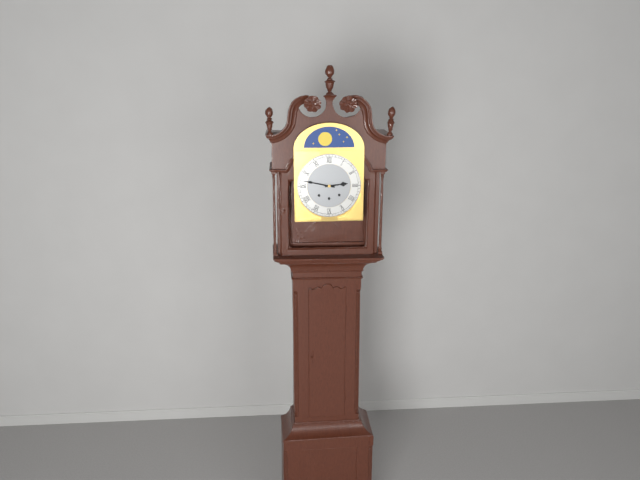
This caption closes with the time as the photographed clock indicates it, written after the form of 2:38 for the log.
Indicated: 2:47
